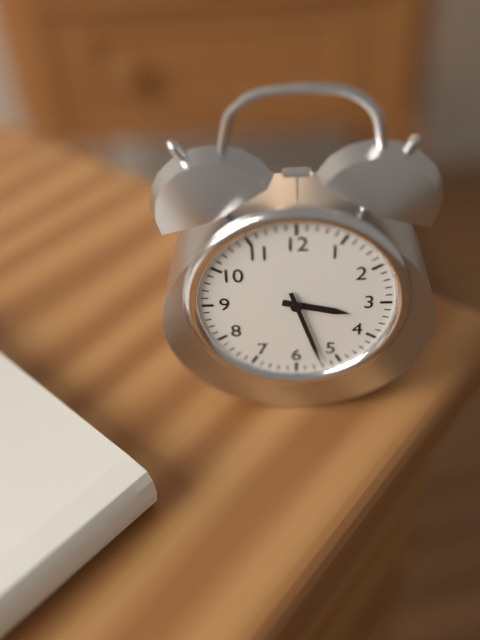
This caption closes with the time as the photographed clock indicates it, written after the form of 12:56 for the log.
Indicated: 3:27
